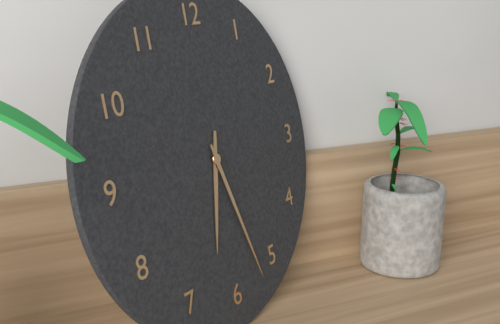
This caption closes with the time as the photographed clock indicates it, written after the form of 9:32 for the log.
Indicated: 6:27
